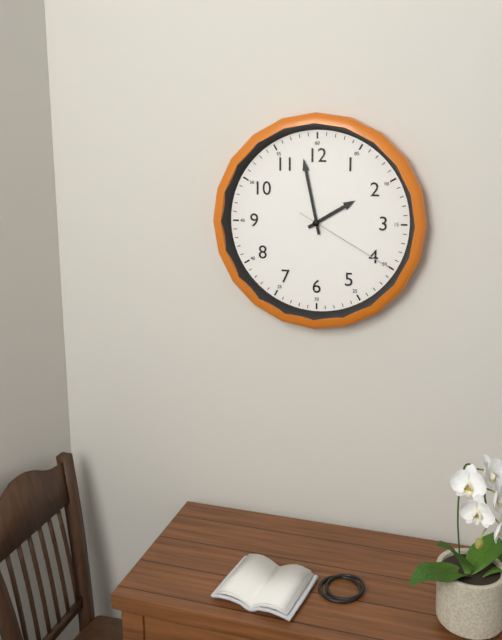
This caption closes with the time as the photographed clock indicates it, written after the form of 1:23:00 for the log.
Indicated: 1:58:20
